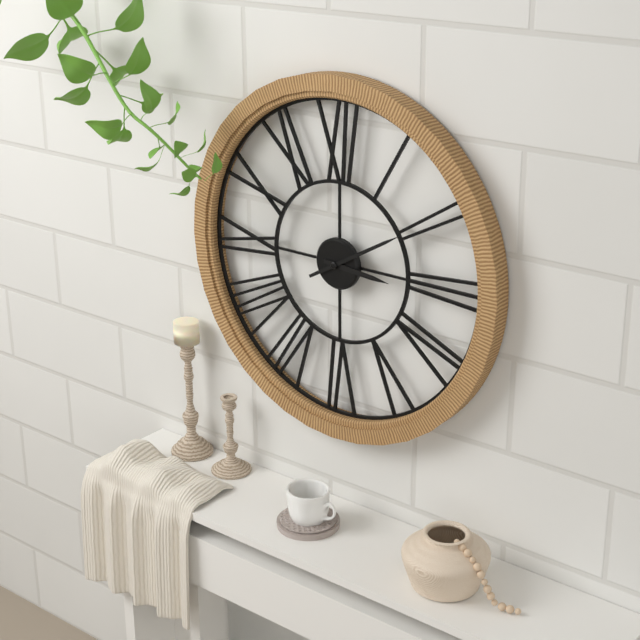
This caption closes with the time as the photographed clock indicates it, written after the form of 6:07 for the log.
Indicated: 3:10
